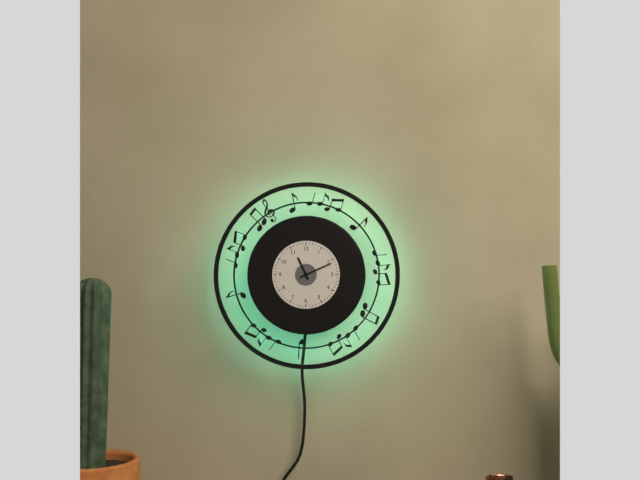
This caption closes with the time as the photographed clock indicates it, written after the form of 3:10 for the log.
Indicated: 11:11
